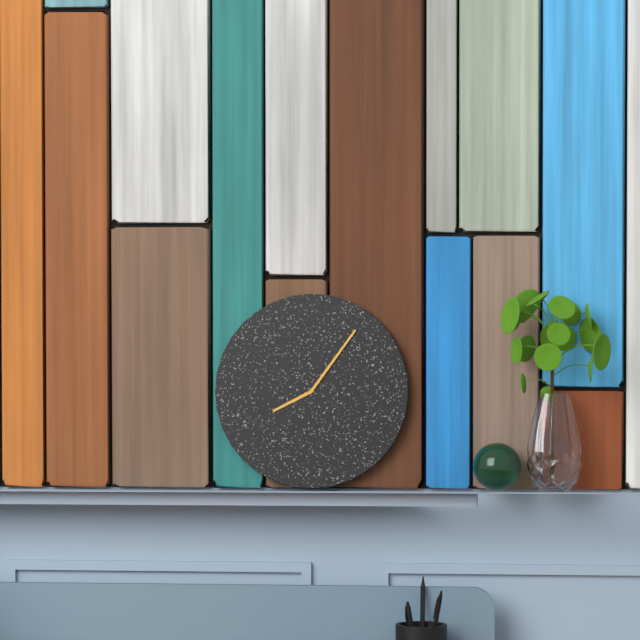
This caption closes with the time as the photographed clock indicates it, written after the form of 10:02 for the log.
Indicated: 8:06
